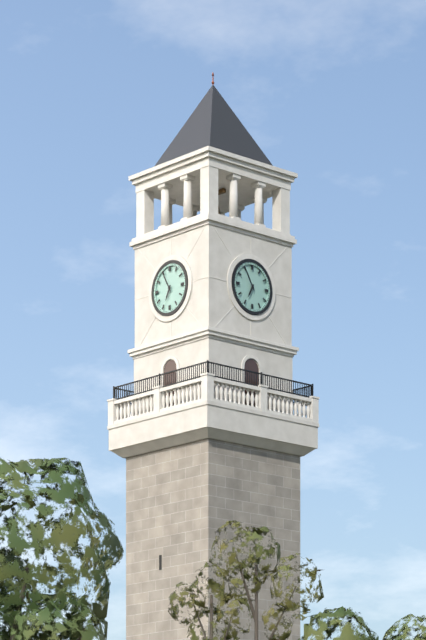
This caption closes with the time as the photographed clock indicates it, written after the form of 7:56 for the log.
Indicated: 6:55
